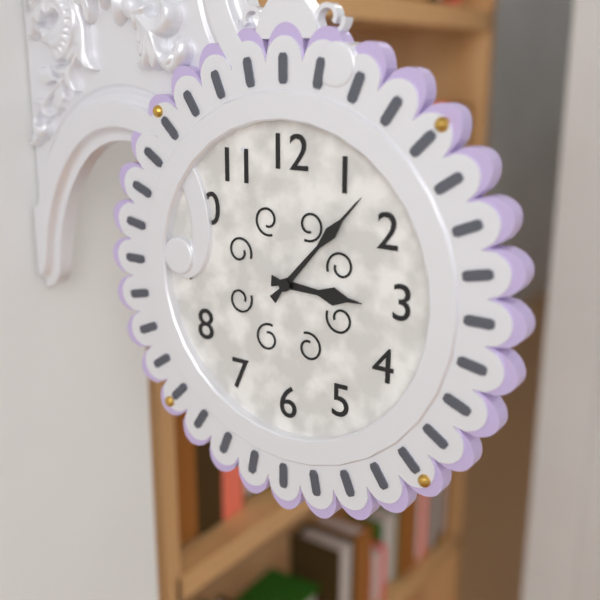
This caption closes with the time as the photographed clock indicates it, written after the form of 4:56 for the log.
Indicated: 3:07
